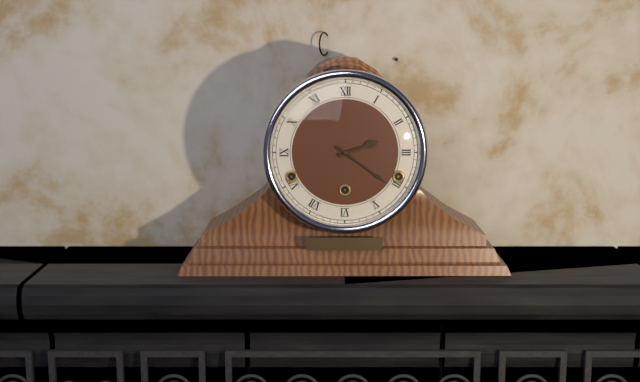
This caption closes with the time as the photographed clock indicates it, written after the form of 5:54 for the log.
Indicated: 2:21
